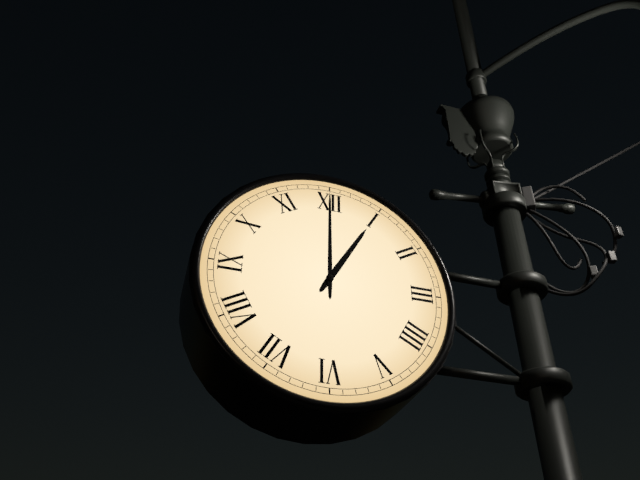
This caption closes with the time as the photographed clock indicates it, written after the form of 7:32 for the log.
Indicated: 1:00
